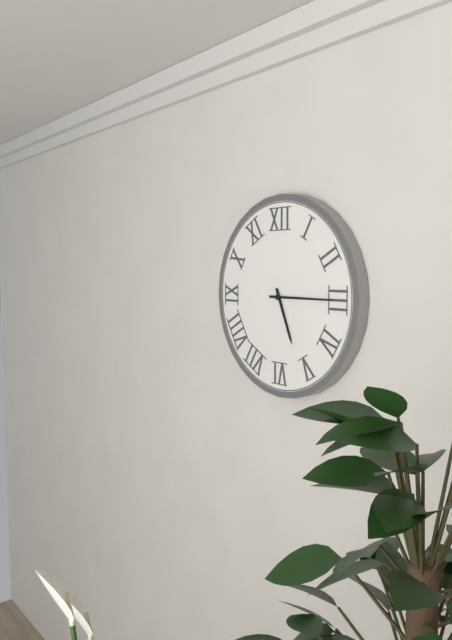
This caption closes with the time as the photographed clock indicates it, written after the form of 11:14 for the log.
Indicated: 5:15
